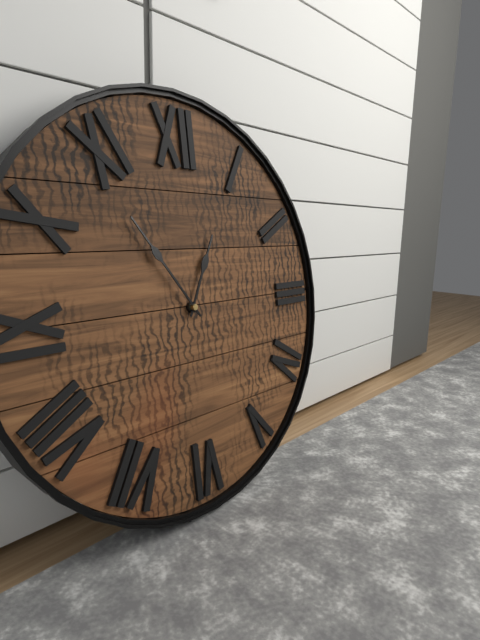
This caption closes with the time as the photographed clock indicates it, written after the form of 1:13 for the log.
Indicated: 12:54
